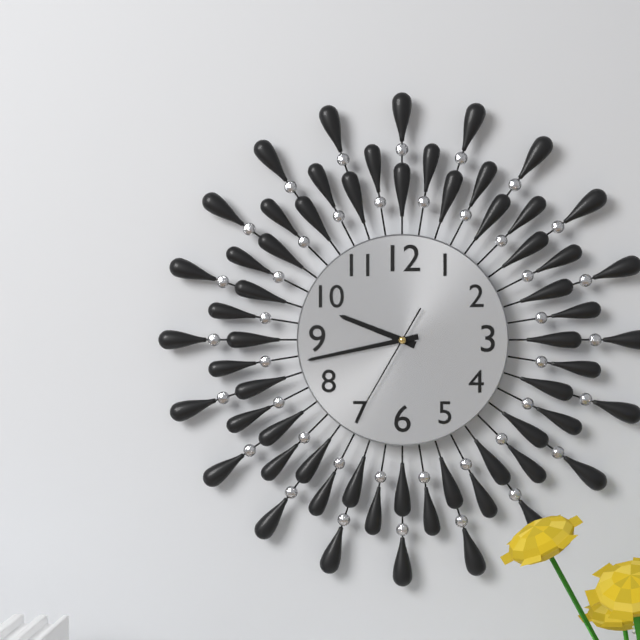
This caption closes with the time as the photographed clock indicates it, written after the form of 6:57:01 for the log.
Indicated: 9:43:35
